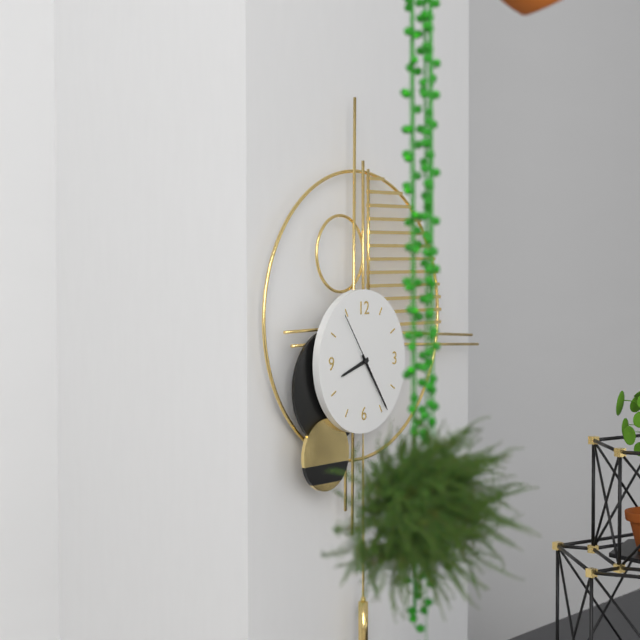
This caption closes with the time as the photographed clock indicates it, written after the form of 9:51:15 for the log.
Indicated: 8:24:54
